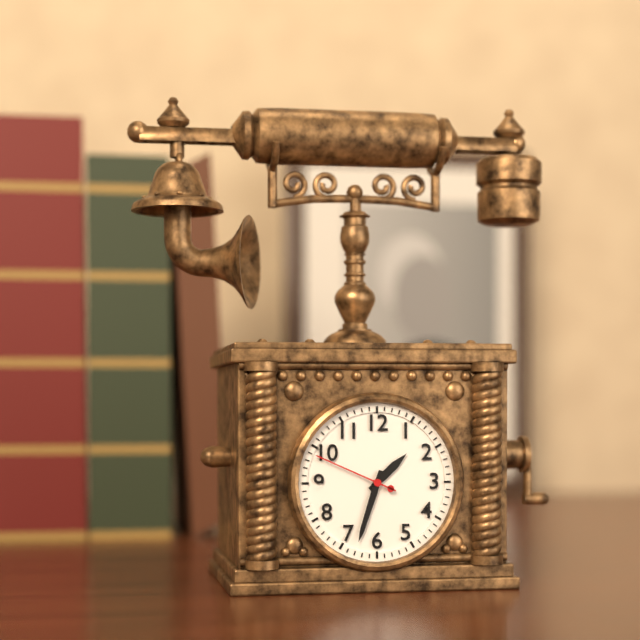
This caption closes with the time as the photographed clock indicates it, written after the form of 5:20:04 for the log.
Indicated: 1:33:49
